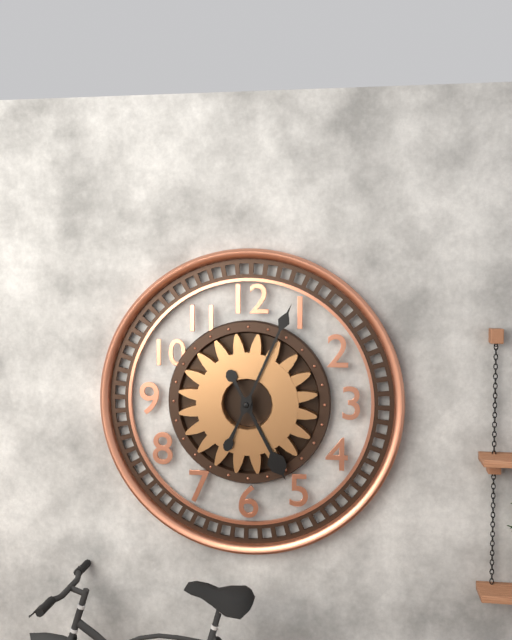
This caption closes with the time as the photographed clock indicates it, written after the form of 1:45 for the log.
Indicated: 5:04
